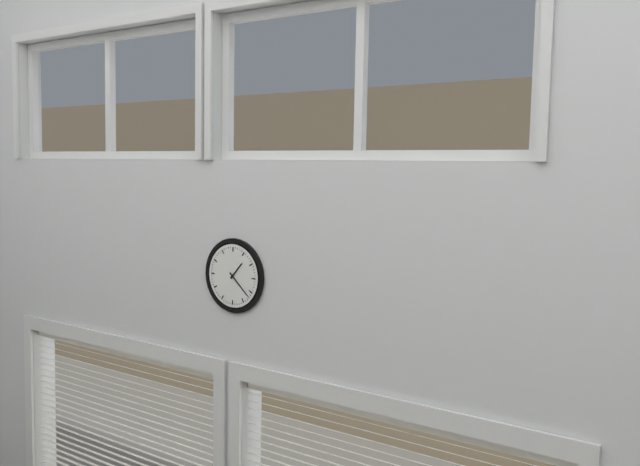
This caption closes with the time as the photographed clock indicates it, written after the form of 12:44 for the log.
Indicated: 1:22
